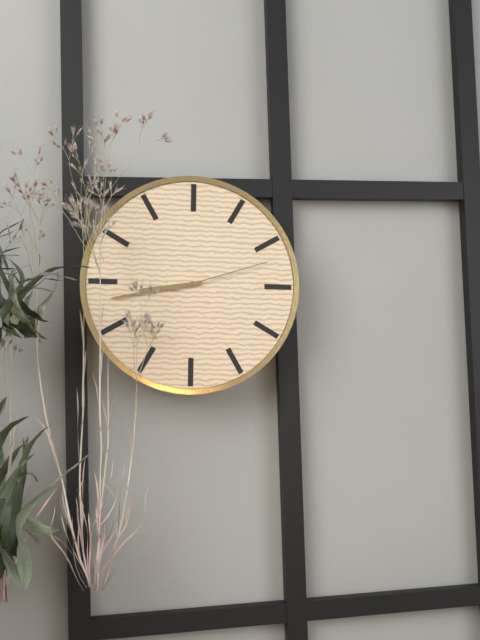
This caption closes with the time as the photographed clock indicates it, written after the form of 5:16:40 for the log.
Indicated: 8:43:12
